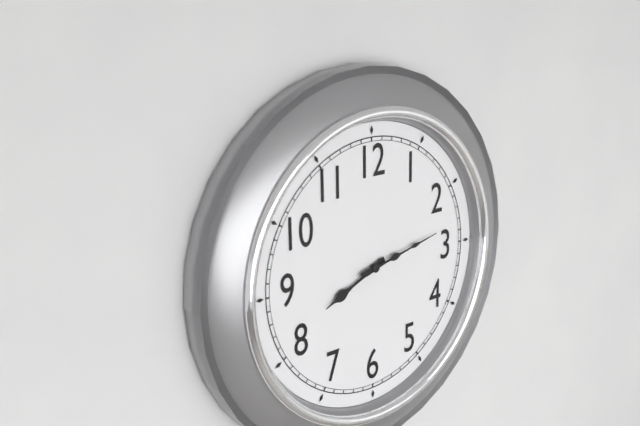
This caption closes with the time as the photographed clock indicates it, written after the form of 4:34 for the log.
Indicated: 8:13
